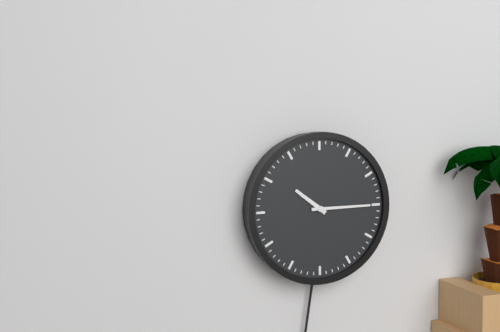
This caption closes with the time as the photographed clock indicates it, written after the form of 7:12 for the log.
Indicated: 10:15
